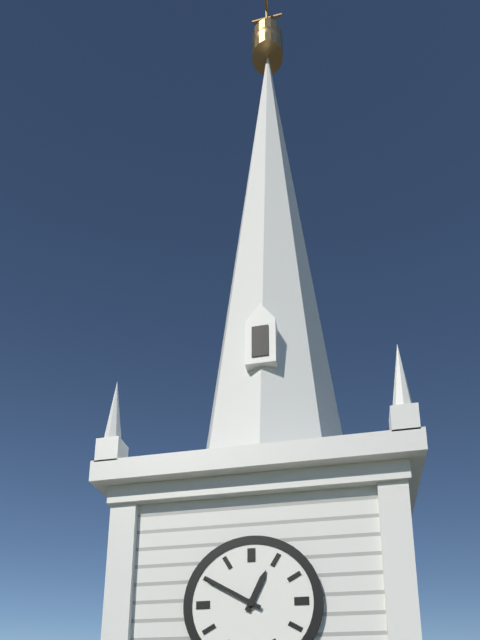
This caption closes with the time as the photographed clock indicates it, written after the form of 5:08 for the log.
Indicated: 12:50
